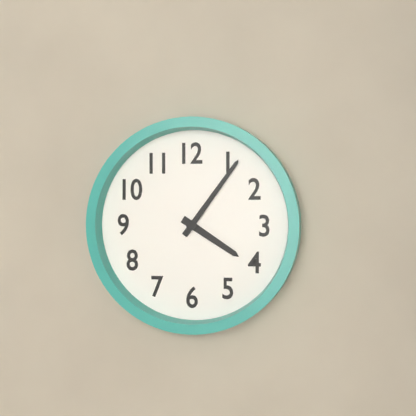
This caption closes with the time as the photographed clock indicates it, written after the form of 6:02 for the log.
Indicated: 4:06
